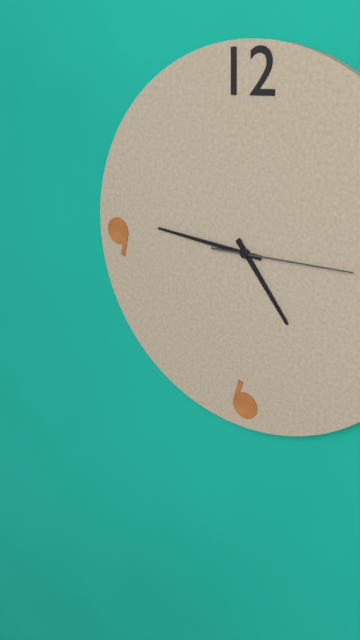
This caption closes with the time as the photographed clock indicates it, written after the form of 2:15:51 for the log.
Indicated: 4:46:15
